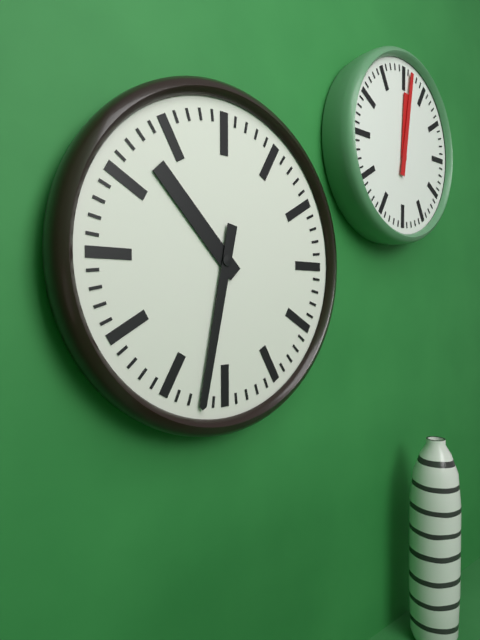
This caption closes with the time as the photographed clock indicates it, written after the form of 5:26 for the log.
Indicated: 10:32
